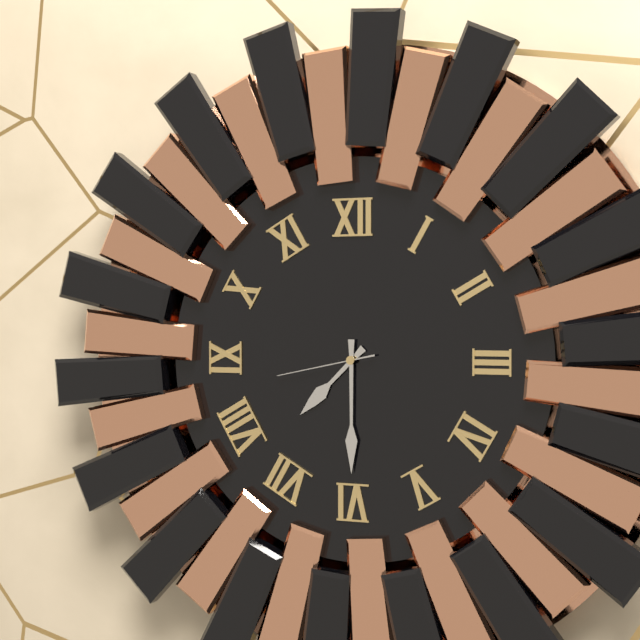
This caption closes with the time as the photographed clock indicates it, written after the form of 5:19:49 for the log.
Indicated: 7:30:43
